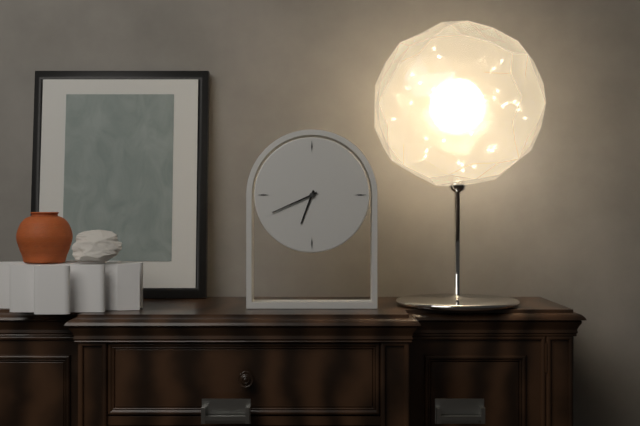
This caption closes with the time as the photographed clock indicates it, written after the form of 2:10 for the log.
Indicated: 6:41
